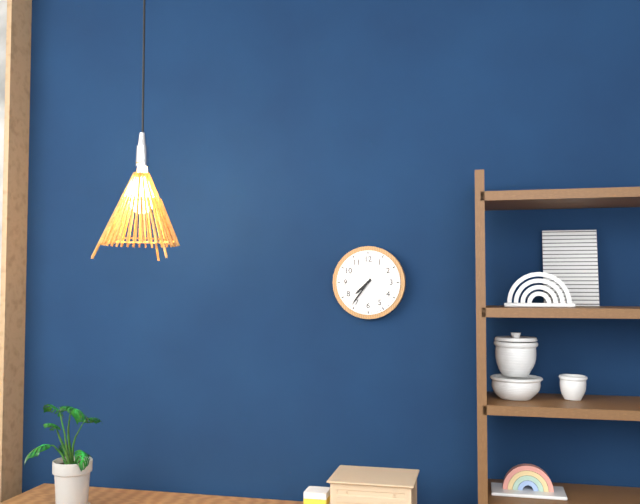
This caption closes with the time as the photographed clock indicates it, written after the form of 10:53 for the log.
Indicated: 7:36
